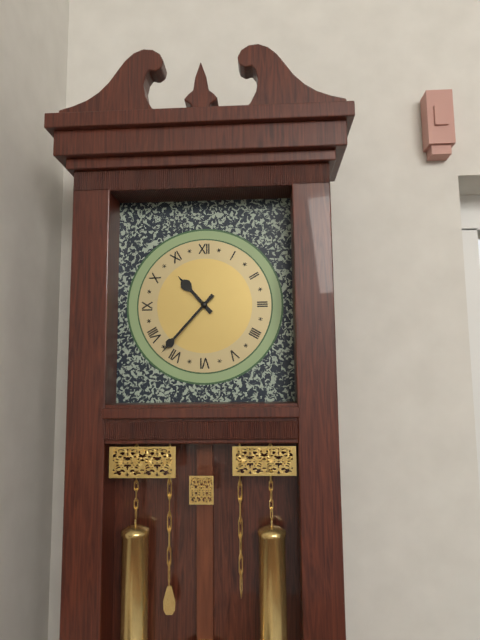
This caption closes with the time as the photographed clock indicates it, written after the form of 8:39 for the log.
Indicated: 10:37
